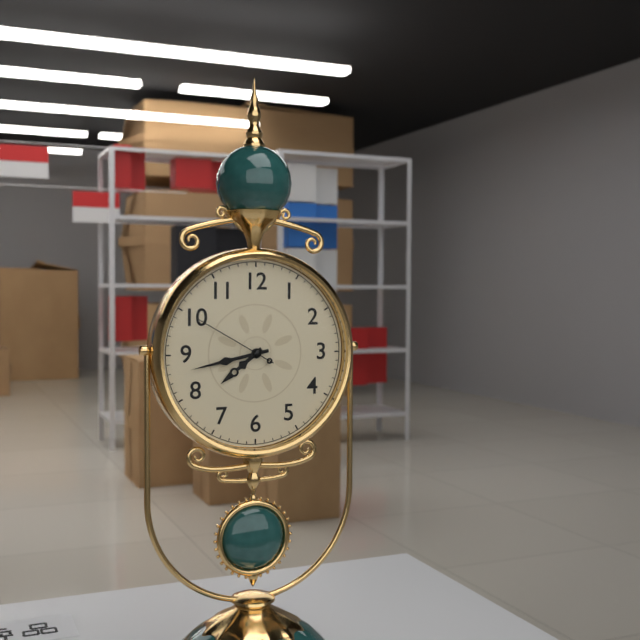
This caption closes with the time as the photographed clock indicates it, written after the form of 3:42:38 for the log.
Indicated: 7:43:50
